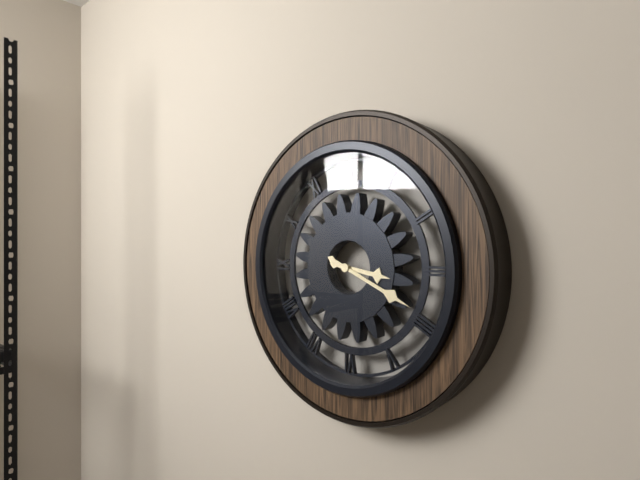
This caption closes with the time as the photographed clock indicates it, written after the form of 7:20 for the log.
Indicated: 3:19
